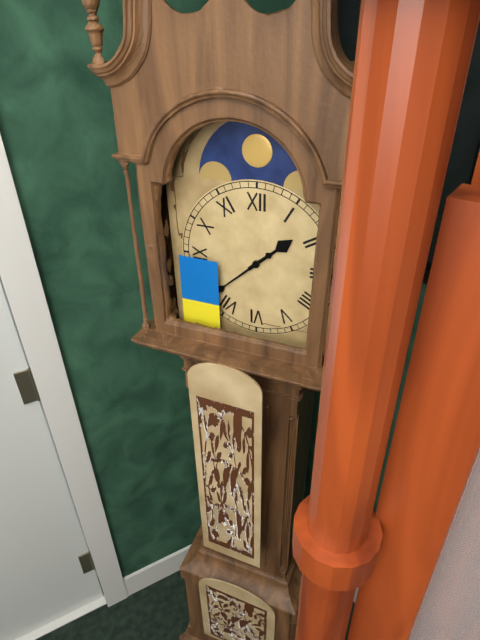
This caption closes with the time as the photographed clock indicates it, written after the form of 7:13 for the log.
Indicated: 1:38
